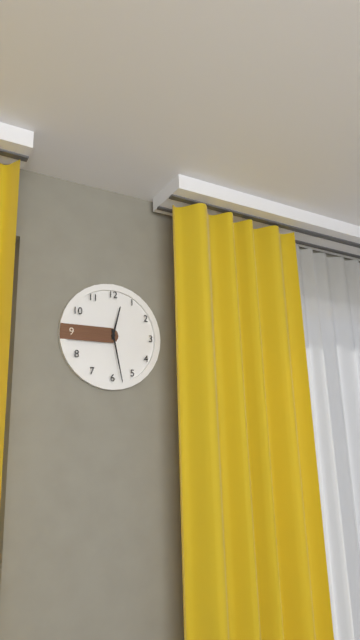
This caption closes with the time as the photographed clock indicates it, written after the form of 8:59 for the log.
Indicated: 12:28
